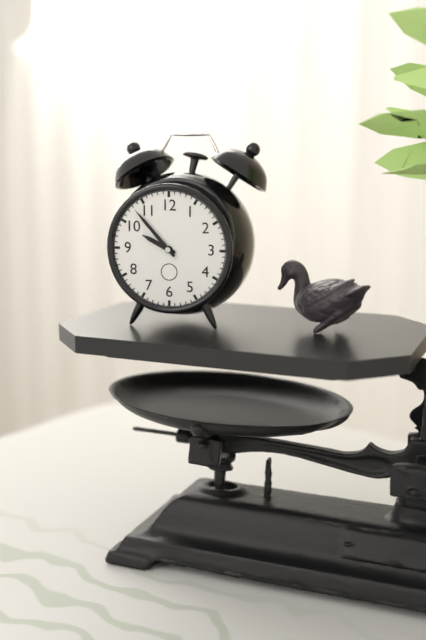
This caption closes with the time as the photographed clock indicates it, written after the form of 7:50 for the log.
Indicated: 9:53
